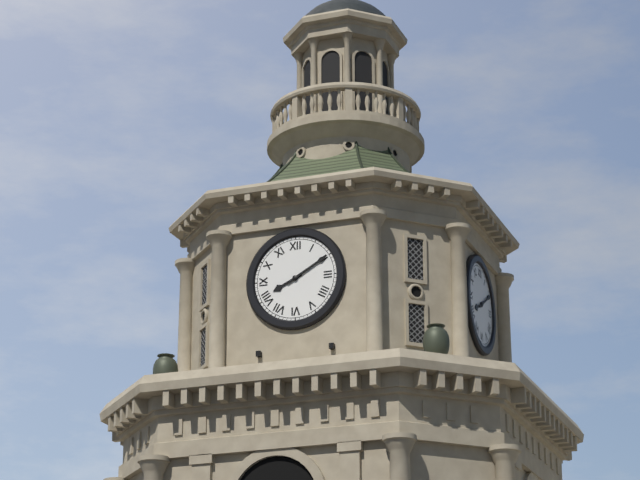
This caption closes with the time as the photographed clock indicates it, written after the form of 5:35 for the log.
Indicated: 8:10
